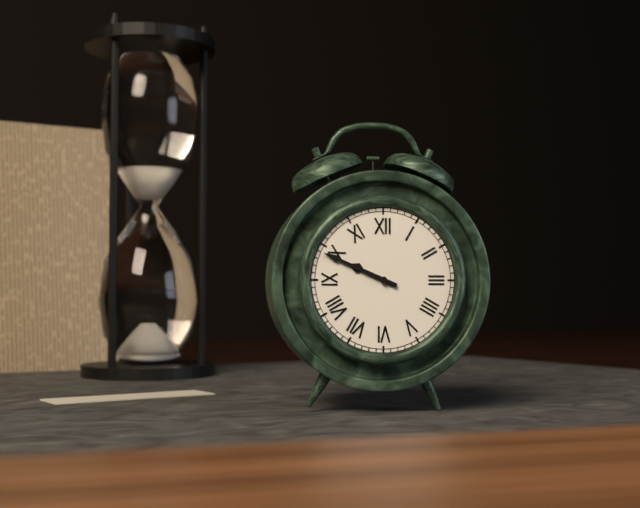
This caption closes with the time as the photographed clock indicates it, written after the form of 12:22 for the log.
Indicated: 9:49
